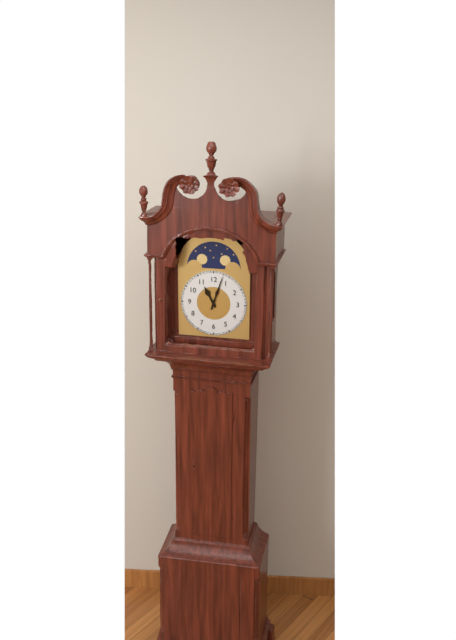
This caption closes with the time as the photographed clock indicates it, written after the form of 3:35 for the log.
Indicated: 11:03
